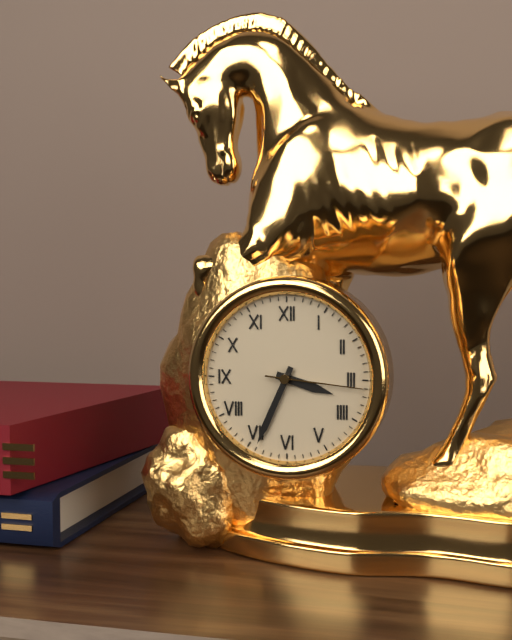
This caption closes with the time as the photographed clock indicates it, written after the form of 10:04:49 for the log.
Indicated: 3:34:16
